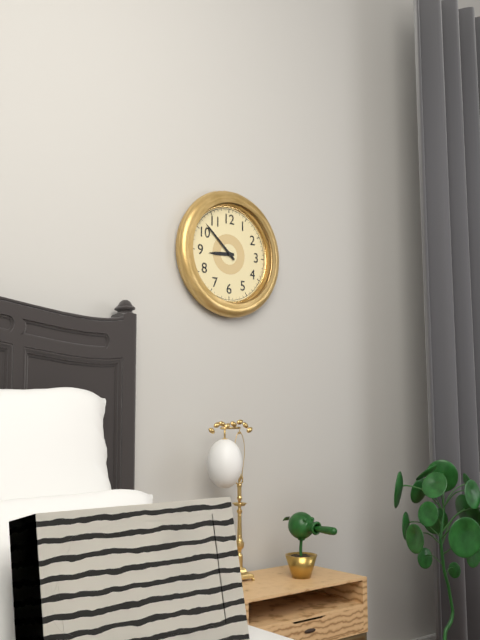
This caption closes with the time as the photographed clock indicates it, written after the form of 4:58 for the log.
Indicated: 8:52
